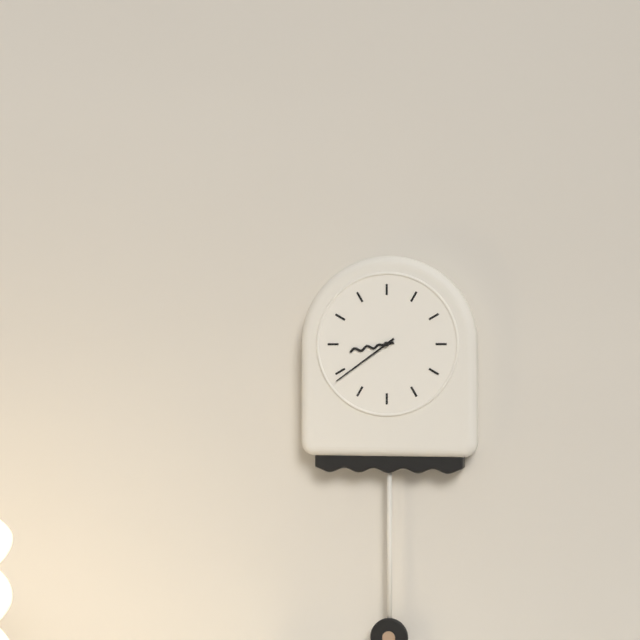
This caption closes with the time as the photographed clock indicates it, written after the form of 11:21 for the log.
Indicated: 8:39
